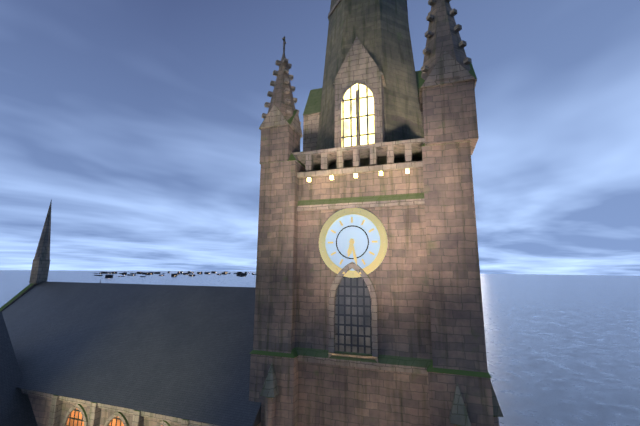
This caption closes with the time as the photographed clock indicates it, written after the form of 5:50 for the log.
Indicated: 6:28
